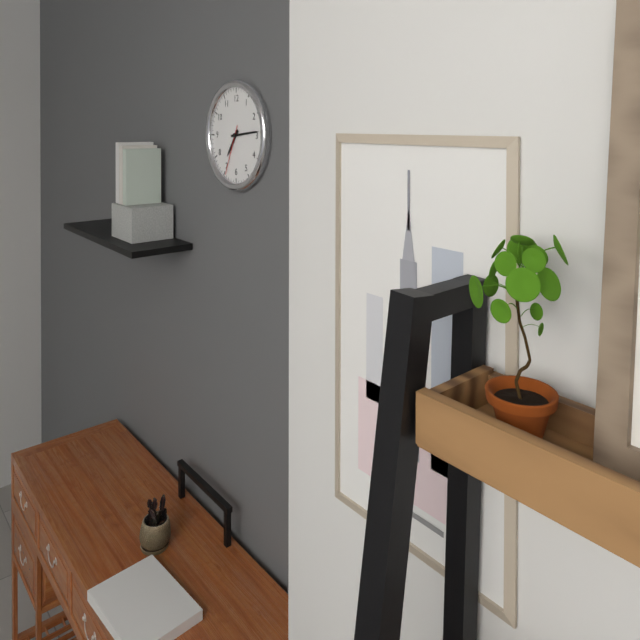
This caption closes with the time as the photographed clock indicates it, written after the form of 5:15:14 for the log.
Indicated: 7:14:34
